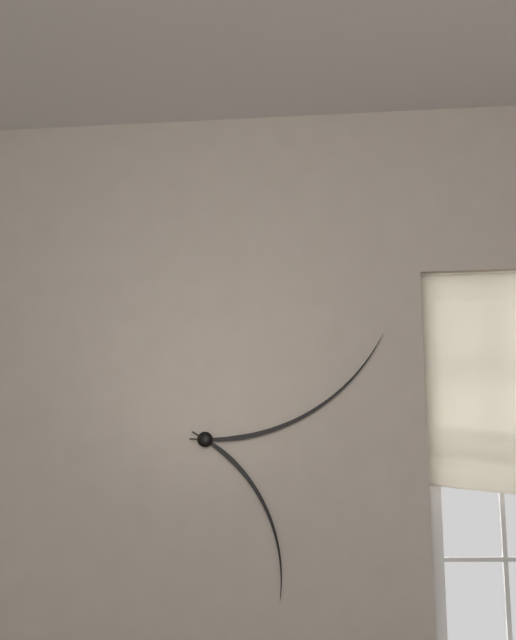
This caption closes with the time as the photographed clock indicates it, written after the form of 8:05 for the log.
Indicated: 5:10
